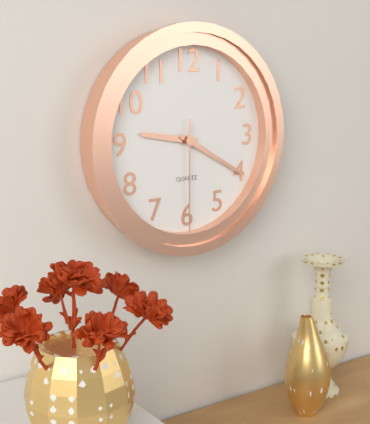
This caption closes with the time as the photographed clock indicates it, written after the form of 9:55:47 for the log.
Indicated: 9:20:30
